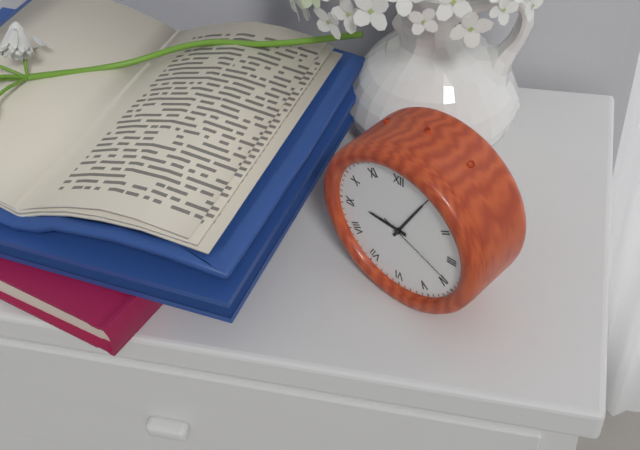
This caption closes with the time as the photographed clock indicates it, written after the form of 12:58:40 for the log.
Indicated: 9:05:19
